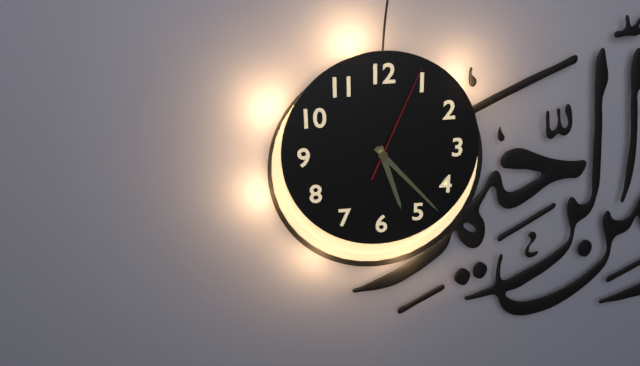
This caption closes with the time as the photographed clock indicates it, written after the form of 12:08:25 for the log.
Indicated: 5:23:04
